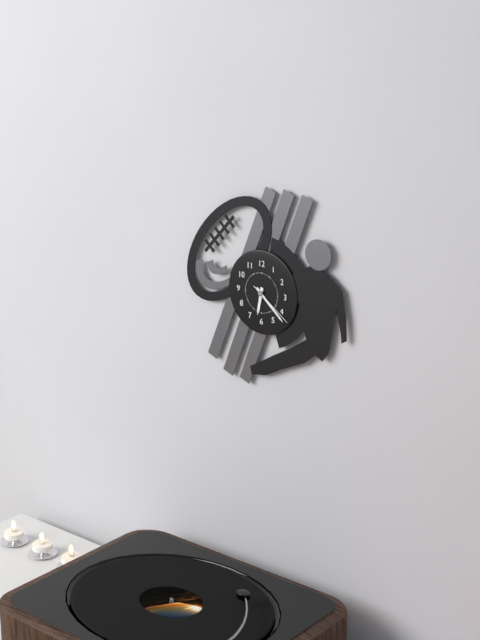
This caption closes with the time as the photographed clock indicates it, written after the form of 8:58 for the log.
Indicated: 6:22
